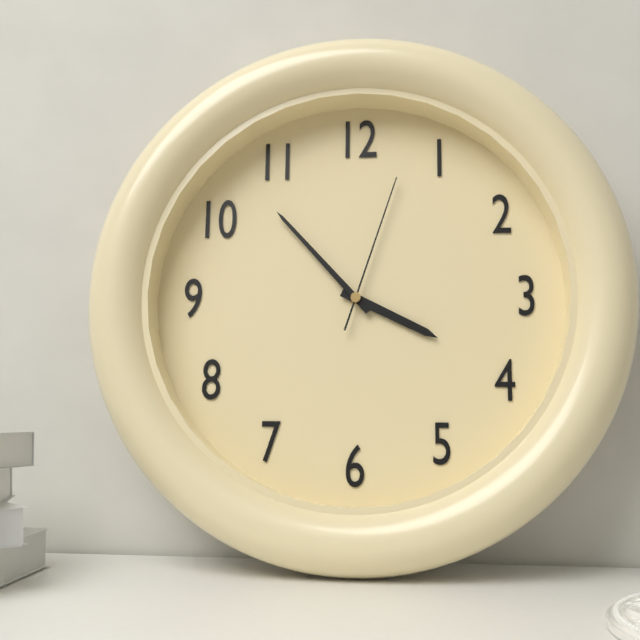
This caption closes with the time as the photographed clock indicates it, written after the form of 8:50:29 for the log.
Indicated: 3:53:03
